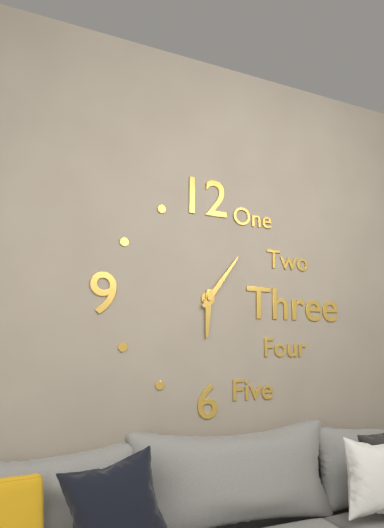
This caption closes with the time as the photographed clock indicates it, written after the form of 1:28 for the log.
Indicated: 6:06
